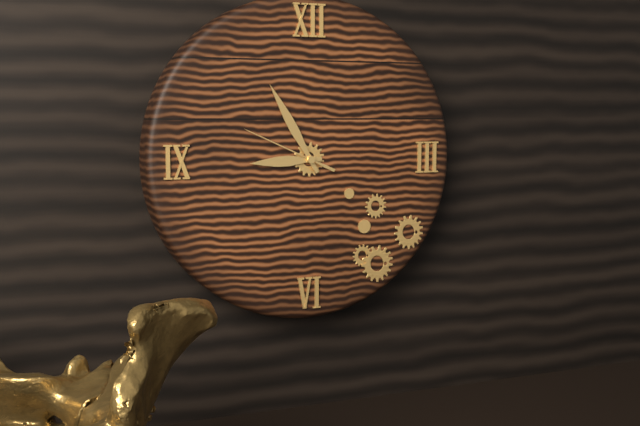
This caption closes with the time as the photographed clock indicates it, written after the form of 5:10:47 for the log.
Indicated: 8:55:49
